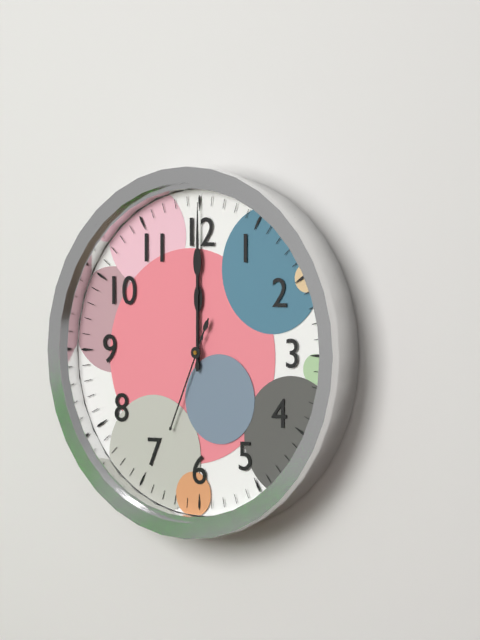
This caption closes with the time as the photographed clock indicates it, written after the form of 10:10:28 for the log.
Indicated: 12:00:34
